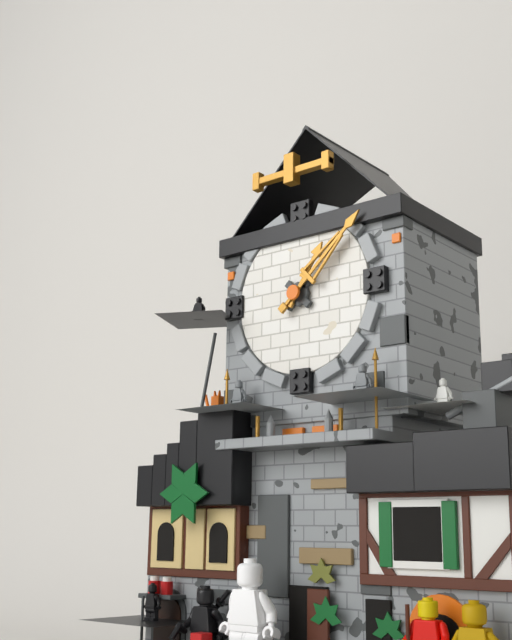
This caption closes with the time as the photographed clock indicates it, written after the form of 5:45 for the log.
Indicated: 1:08
